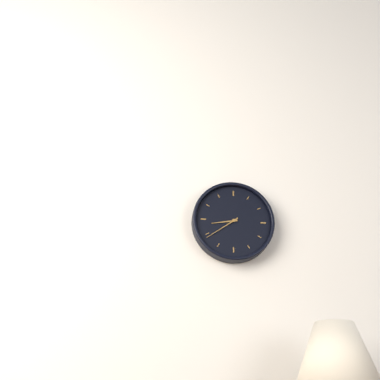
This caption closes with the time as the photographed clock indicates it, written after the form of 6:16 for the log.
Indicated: 8:39
